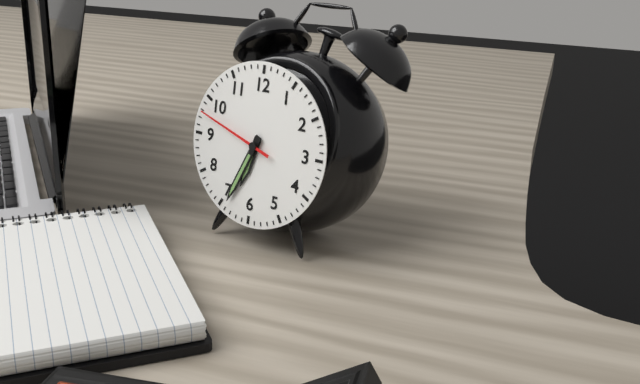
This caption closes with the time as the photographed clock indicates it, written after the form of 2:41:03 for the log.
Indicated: 6:34:48
